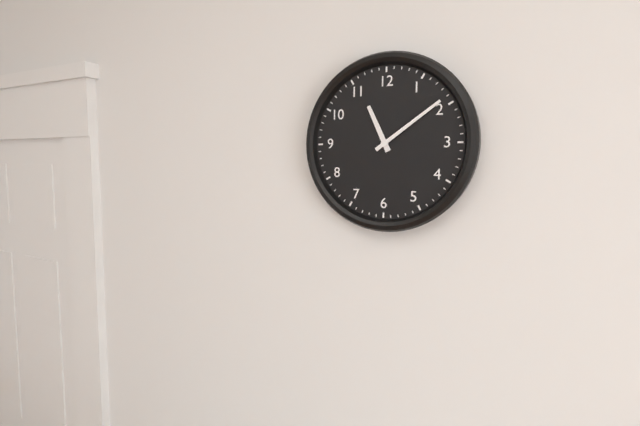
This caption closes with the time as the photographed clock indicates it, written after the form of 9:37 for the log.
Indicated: 11:09
